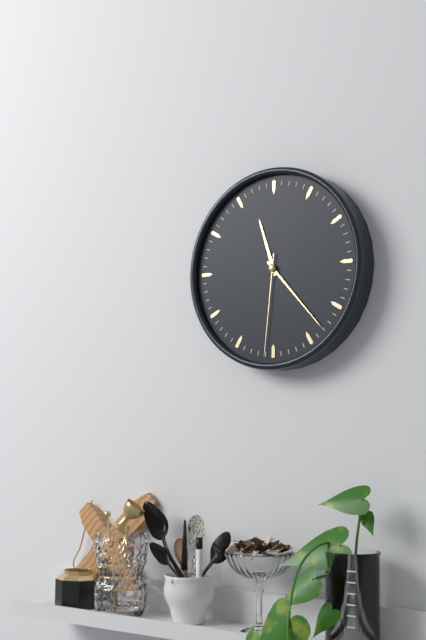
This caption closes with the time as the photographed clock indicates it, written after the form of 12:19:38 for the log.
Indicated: 11:23:31
